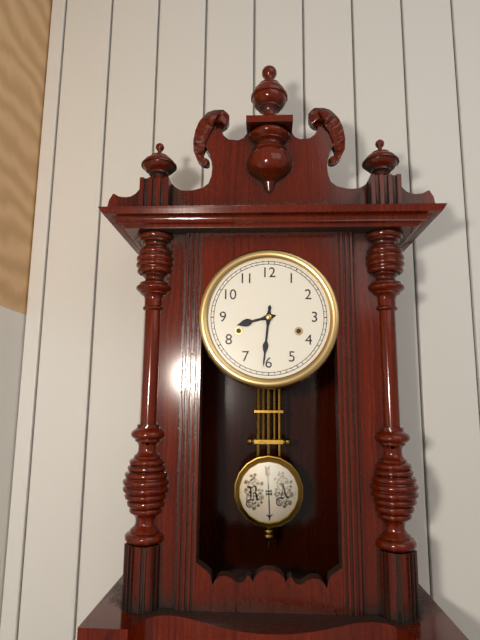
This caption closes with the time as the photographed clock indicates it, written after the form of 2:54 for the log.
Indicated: 8:31
